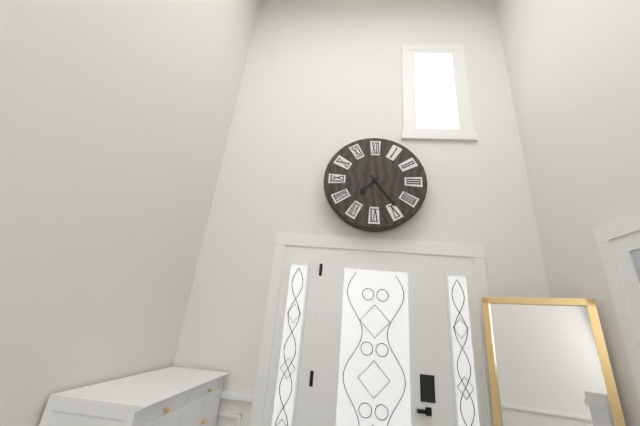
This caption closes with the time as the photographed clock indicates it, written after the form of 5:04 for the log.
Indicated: 7:24
